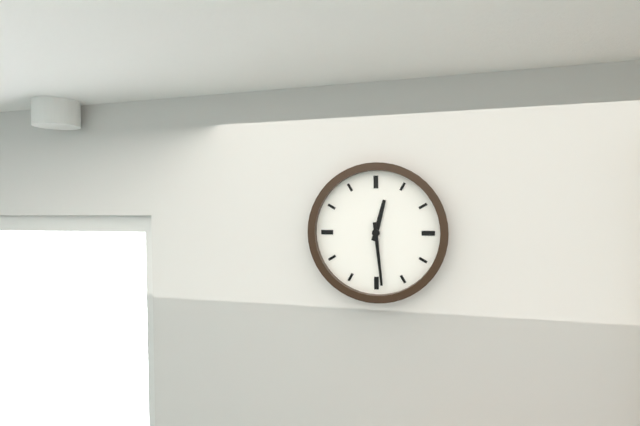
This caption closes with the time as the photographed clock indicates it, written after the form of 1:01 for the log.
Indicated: 12:29
